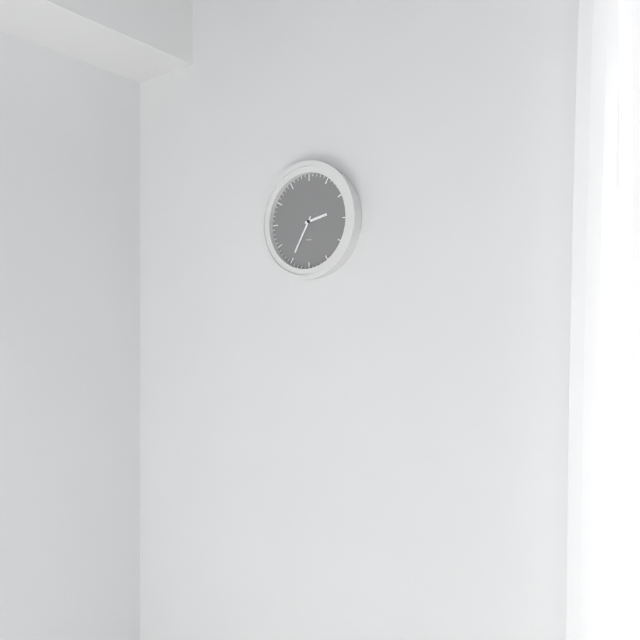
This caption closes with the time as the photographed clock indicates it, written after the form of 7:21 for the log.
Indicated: 2:35
